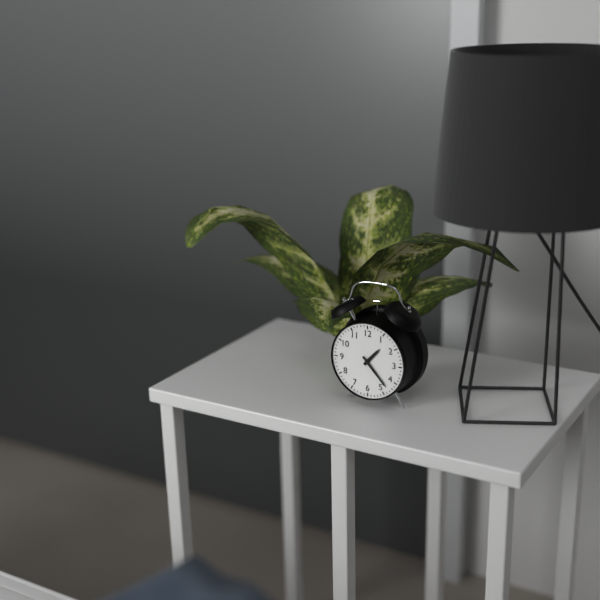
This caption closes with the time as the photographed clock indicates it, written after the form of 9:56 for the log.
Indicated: 1:23
